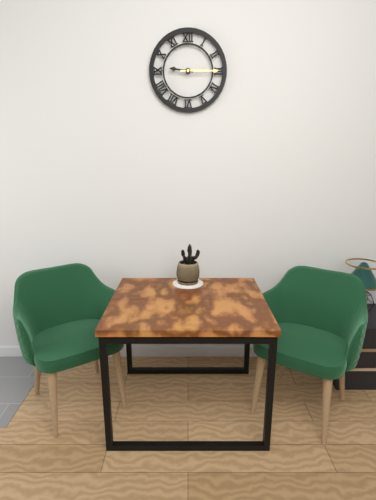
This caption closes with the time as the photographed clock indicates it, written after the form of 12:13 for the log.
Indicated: 9:15
